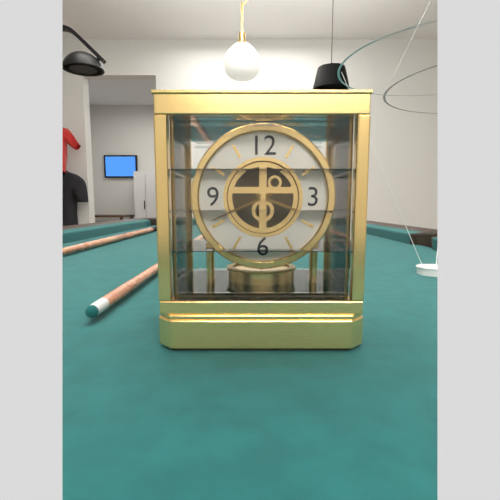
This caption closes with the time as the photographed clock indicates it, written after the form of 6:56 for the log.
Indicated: 3:41
